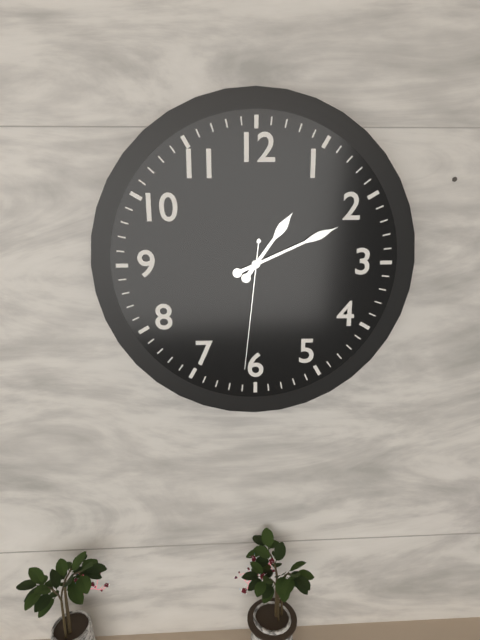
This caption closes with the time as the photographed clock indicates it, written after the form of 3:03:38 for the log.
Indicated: 1:11:31
